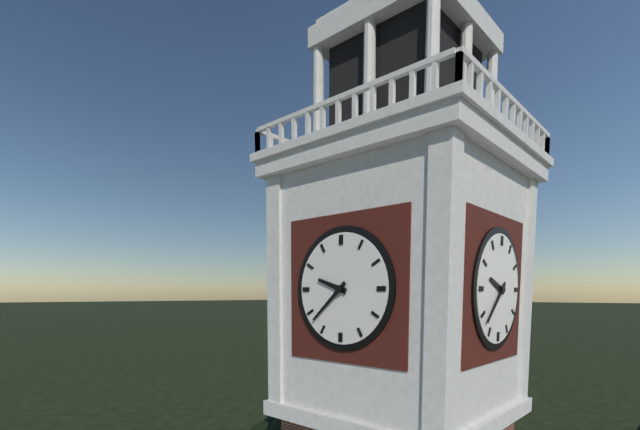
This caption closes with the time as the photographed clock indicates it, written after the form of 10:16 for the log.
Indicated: 9:38
